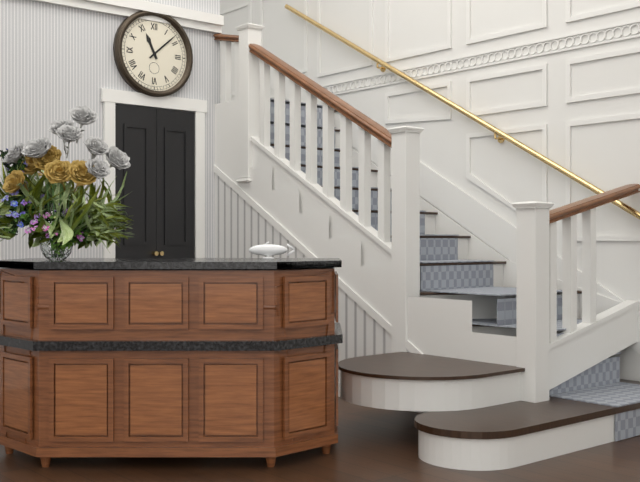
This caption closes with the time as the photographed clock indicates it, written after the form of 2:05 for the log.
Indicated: 11:08
